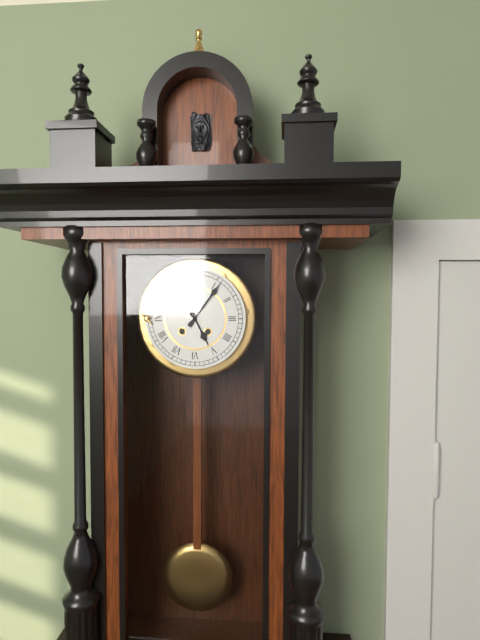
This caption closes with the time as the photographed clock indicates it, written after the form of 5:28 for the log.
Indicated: 5:06
